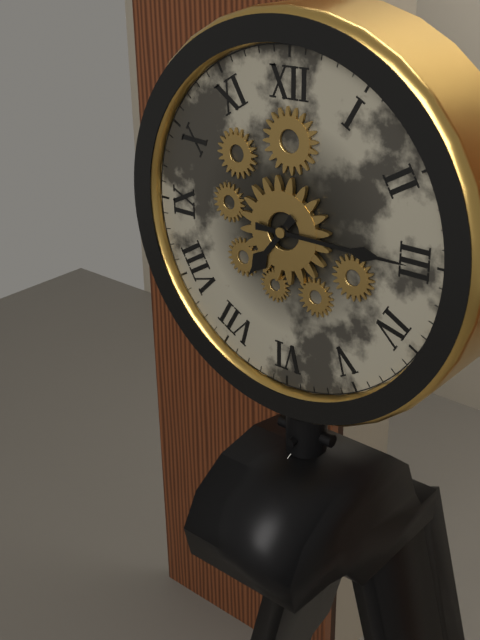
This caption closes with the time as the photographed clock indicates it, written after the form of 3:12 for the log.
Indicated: 7:15
